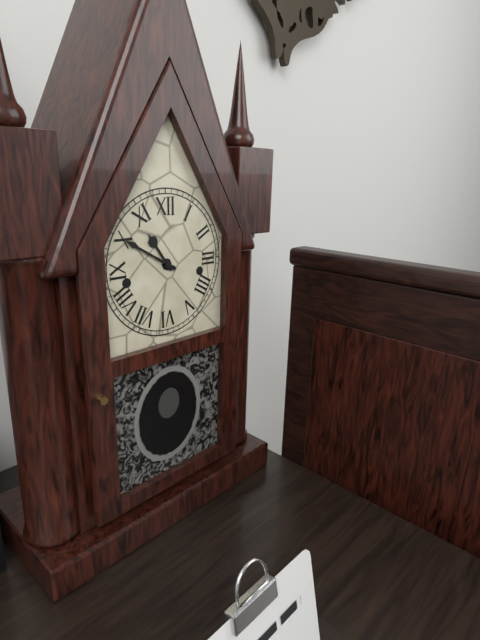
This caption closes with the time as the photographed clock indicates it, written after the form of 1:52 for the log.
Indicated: 10:50
